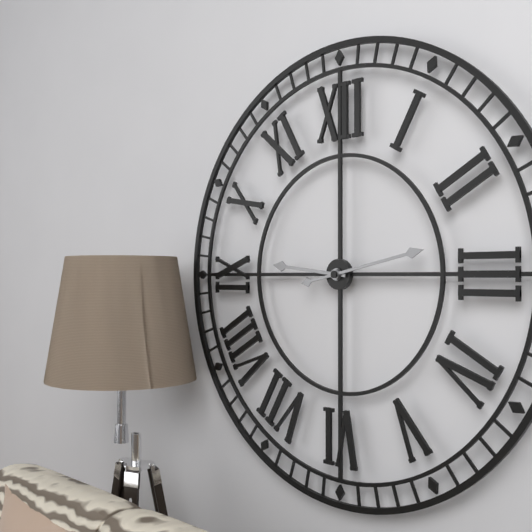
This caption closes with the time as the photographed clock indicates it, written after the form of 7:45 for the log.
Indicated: 9:13
